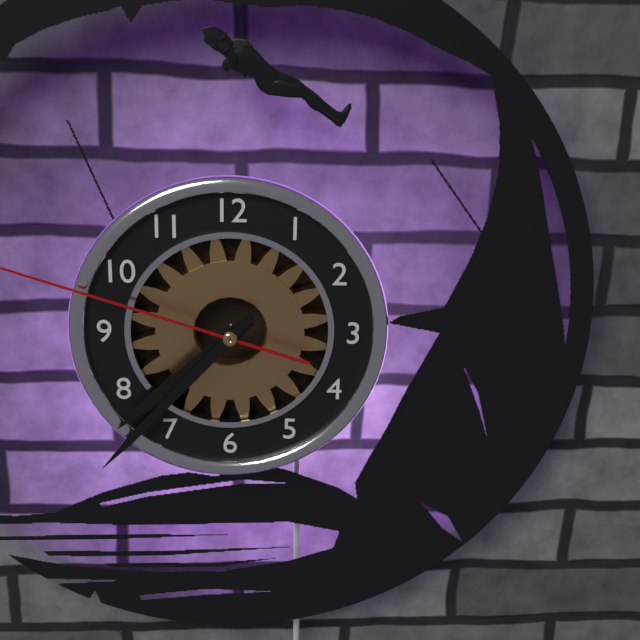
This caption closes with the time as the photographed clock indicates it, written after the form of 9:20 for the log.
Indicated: 7:37
